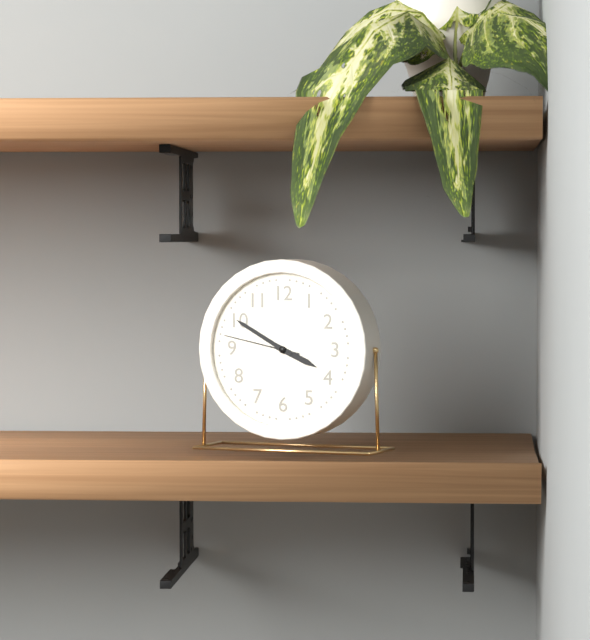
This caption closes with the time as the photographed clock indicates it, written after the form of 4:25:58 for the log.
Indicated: 3:50:47
